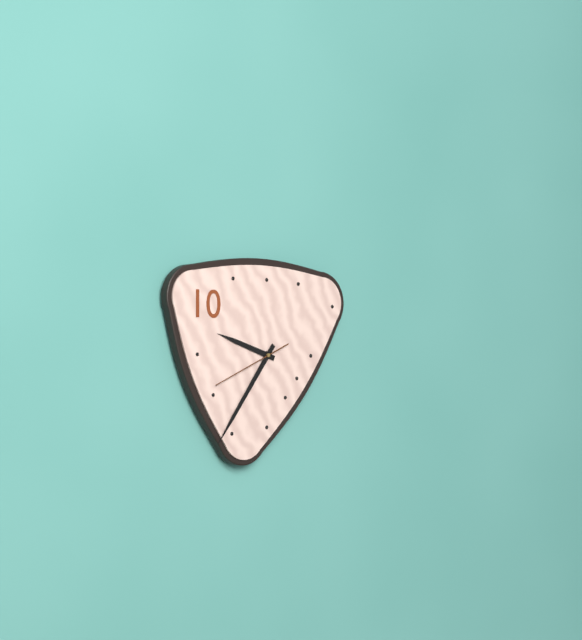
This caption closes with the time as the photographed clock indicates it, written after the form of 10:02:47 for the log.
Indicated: 9:36:41
